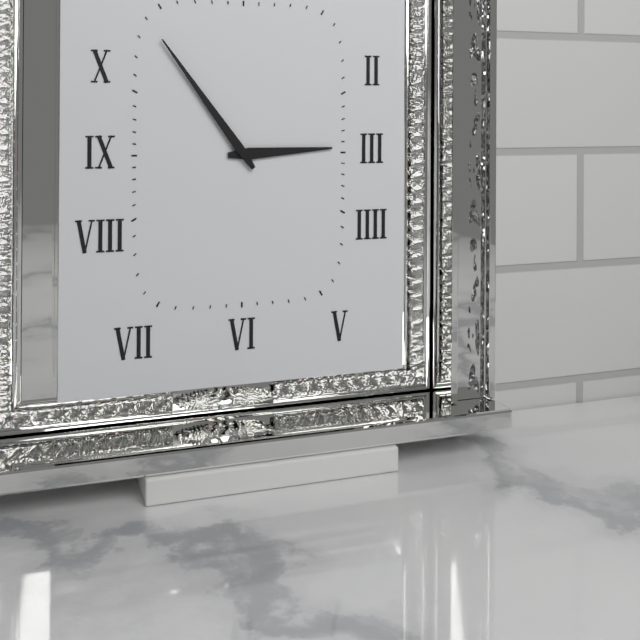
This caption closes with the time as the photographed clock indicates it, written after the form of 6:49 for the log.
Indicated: 2:54
